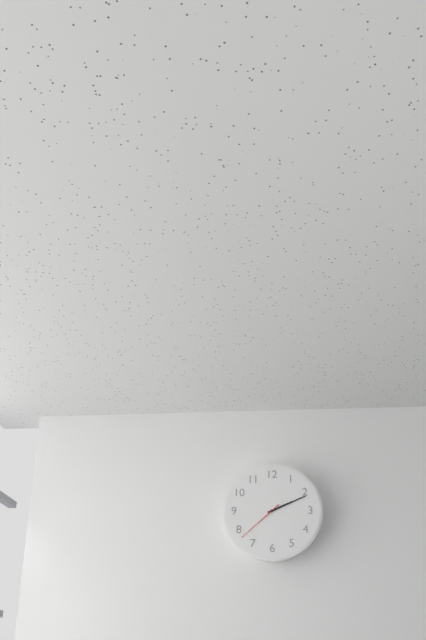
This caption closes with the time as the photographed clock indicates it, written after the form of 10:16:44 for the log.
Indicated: 2:11:38
